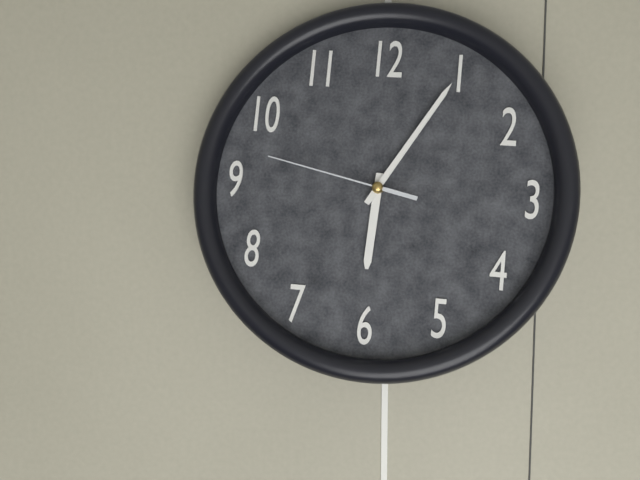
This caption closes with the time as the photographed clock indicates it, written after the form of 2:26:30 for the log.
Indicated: 6:05:47
